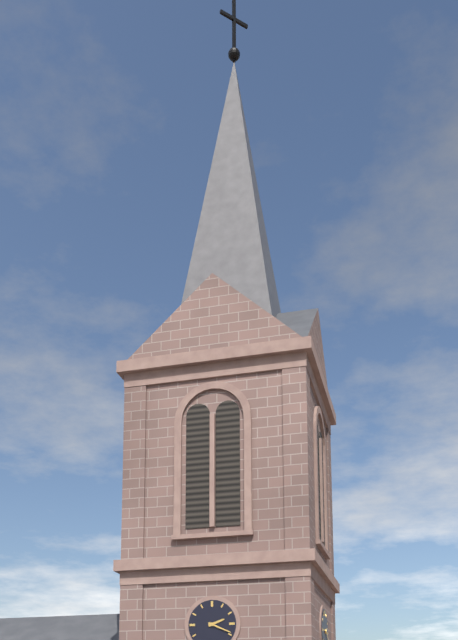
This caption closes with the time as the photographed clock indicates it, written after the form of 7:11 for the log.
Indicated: 2:19
